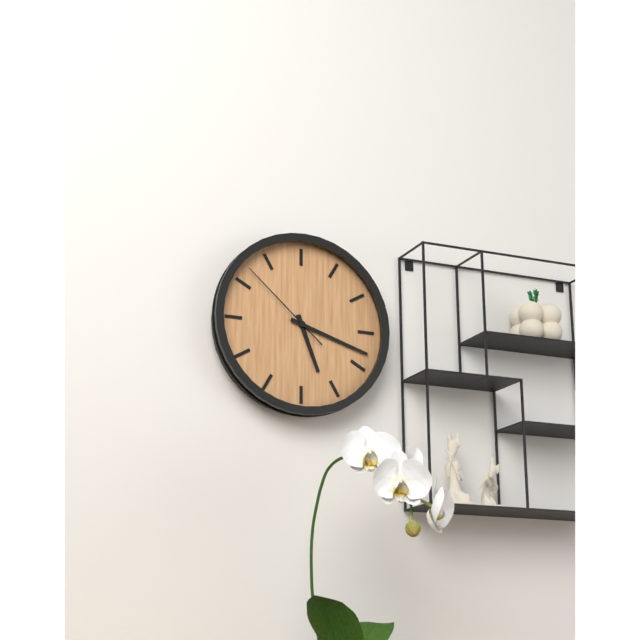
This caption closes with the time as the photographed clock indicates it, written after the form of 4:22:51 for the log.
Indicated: 5:18:52
